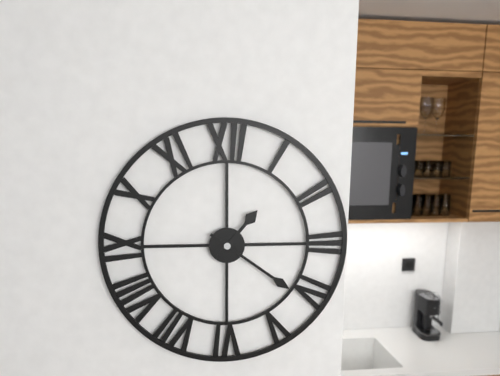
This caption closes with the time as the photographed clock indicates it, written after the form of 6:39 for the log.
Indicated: 1:21
